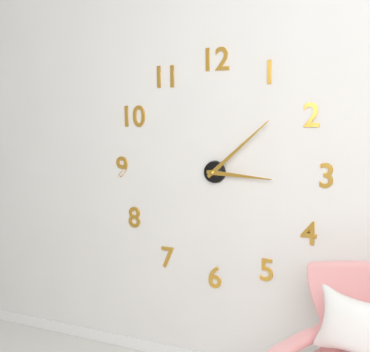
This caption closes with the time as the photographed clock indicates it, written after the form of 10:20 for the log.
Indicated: 3:08
